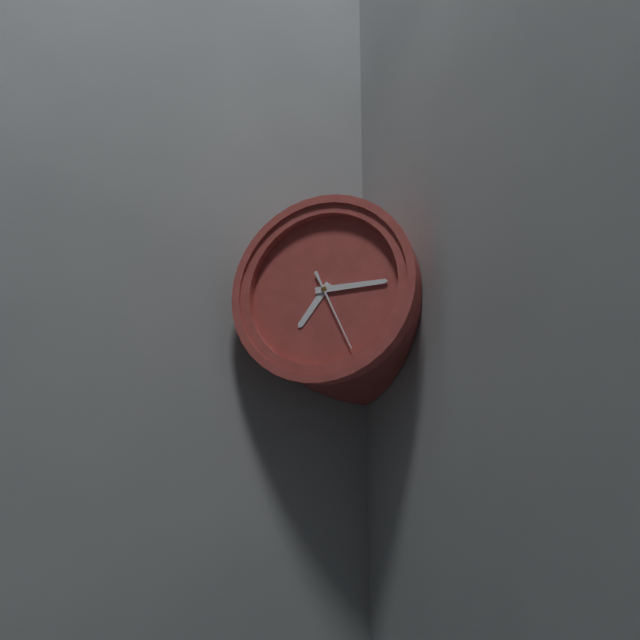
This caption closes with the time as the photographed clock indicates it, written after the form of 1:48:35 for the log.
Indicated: 7:15:26
